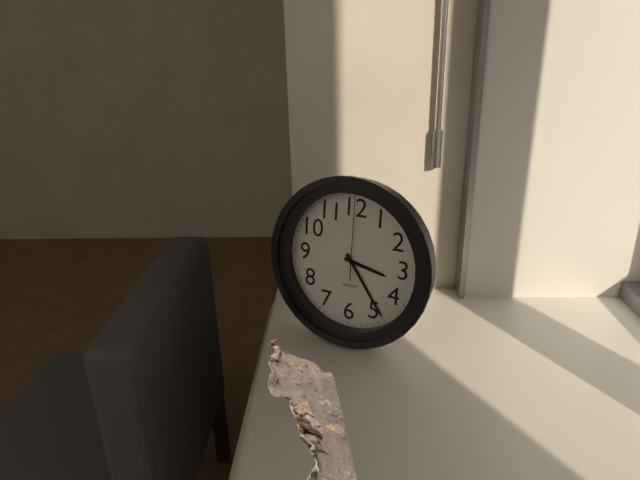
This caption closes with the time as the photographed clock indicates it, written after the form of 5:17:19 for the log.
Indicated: 3:24:00
